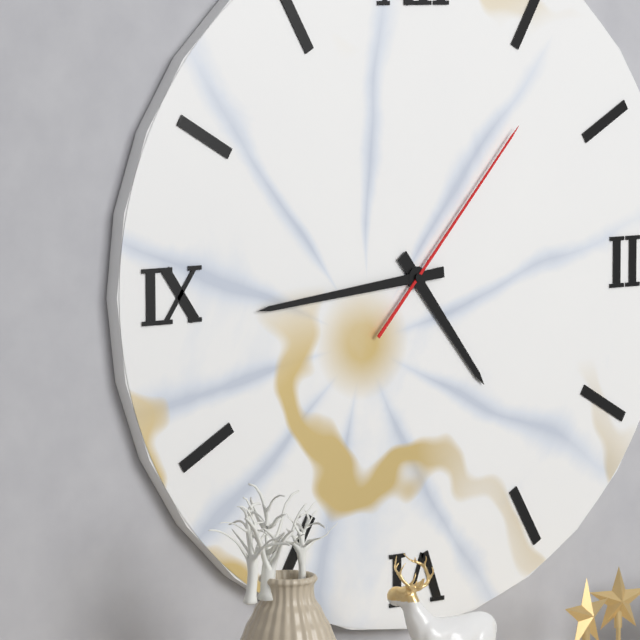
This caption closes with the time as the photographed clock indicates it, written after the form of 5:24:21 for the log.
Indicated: 4:44:07
